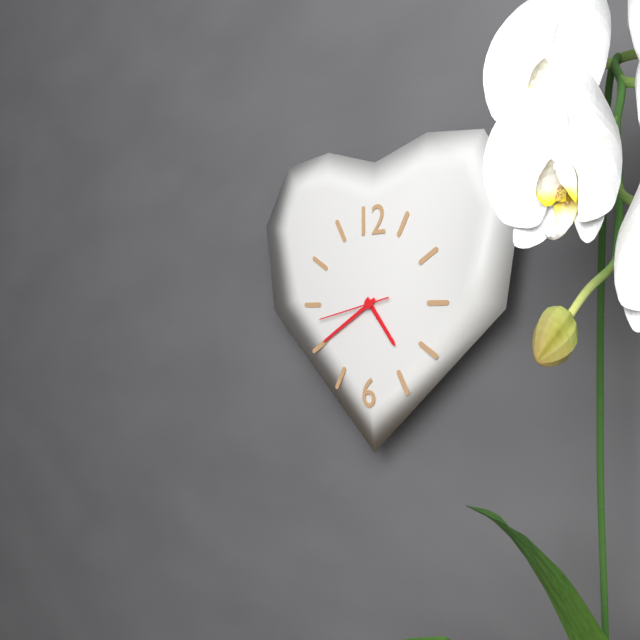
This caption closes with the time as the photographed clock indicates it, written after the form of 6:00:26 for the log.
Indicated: 4:40:43
